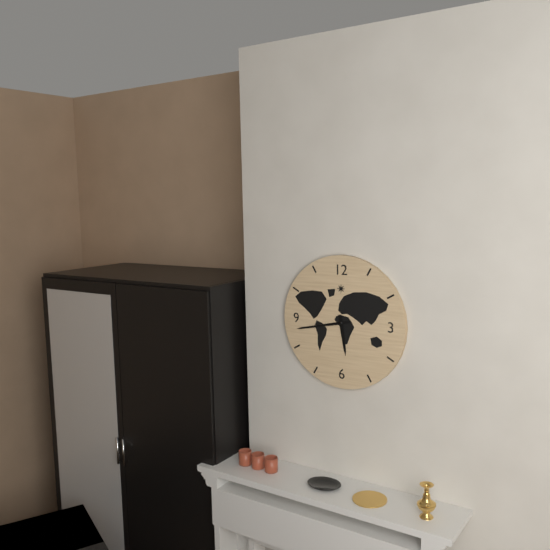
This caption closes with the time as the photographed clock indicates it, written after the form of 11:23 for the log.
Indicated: 5:43
